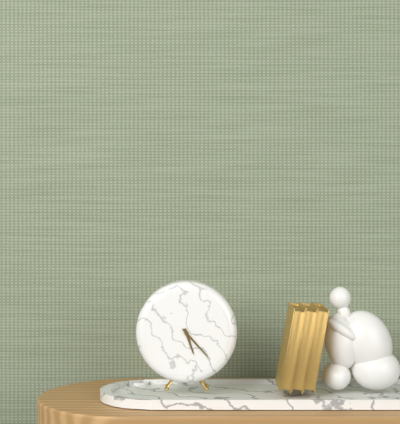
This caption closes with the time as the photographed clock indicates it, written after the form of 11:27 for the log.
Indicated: 5:23
